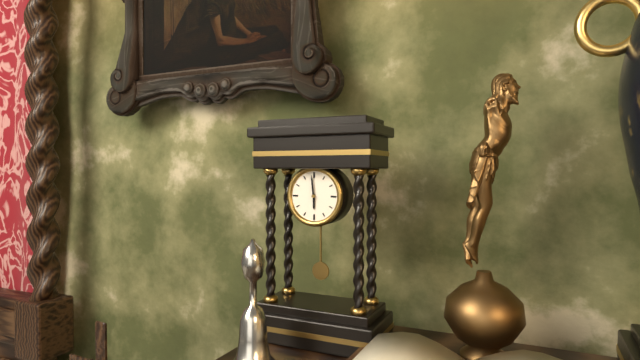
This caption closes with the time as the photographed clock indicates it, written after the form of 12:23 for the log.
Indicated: 5:59
